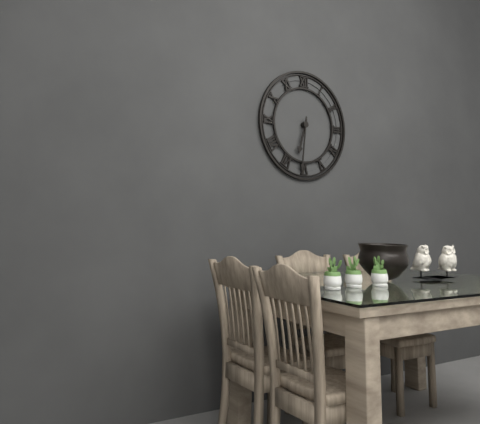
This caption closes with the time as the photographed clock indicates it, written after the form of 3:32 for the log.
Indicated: 6:31
